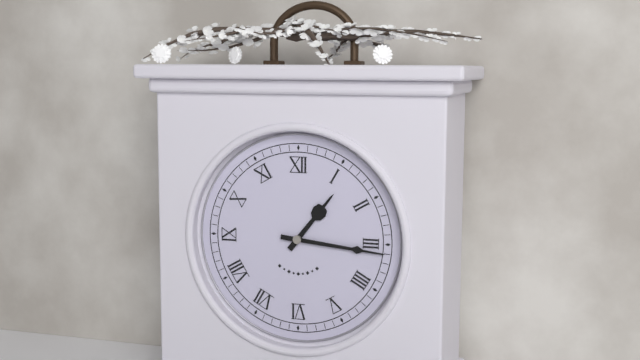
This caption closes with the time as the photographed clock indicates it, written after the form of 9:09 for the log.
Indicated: 1:16
